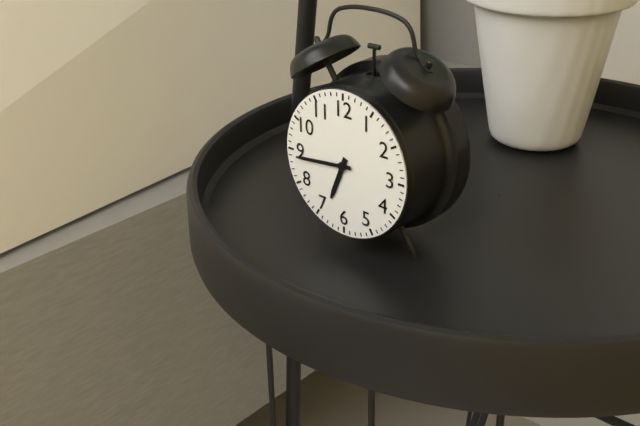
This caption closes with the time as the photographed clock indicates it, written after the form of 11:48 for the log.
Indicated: 6:44
